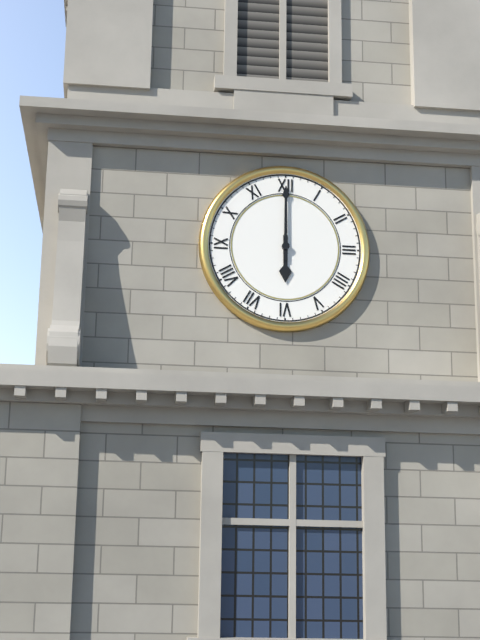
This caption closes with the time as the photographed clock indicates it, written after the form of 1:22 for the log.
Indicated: 6:00
